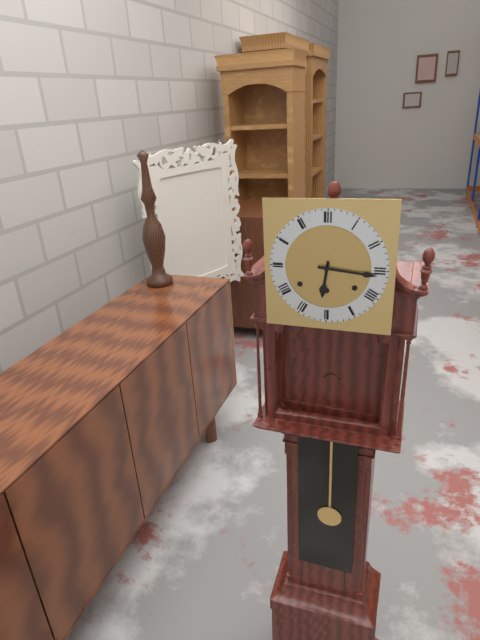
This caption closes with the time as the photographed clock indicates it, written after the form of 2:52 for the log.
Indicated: 6:16
